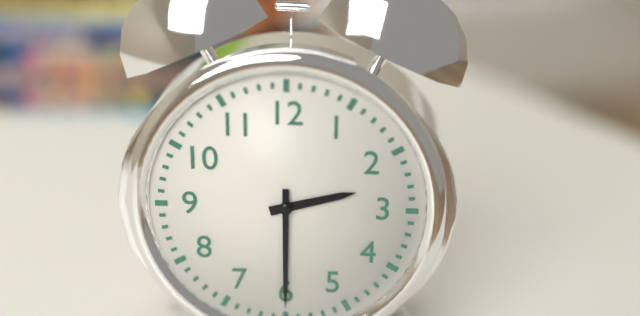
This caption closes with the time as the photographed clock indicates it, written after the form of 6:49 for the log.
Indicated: 2:30
